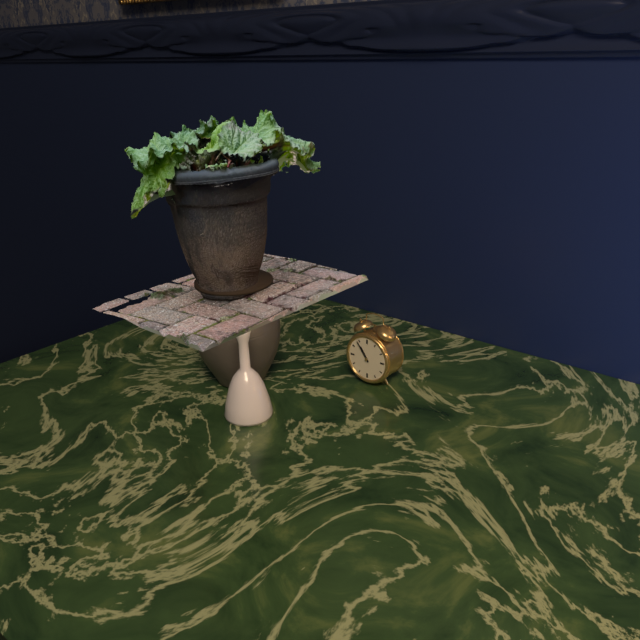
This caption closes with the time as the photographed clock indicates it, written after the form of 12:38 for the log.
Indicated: 10:54
